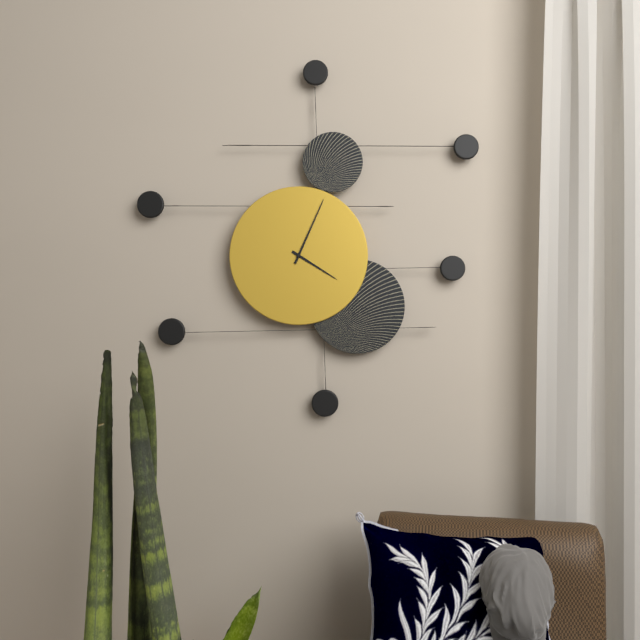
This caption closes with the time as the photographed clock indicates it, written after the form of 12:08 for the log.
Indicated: 4:04
